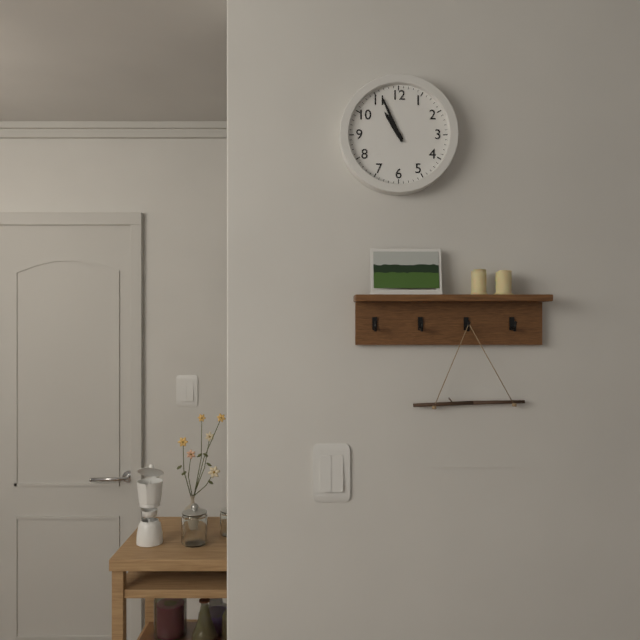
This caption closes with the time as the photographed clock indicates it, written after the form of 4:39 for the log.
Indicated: 10:56
